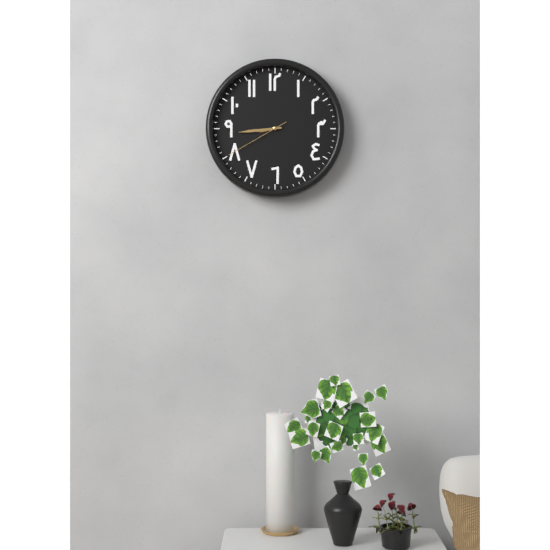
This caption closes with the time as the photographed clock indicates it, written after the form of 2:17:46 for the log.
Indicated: 8:44:40
